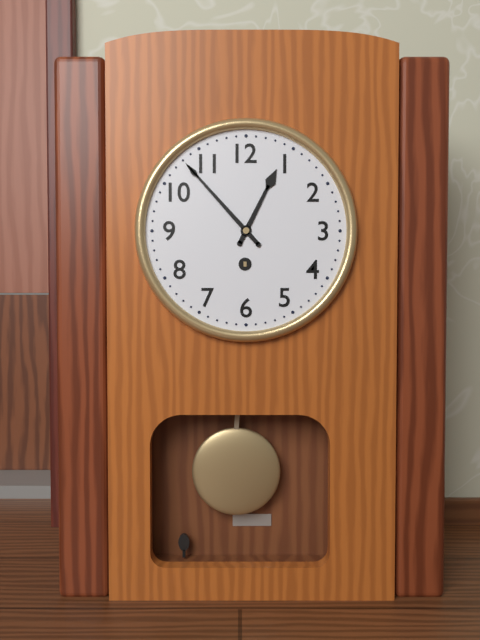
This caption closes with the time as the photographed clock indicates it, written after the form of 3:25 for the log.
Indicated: 12:53
